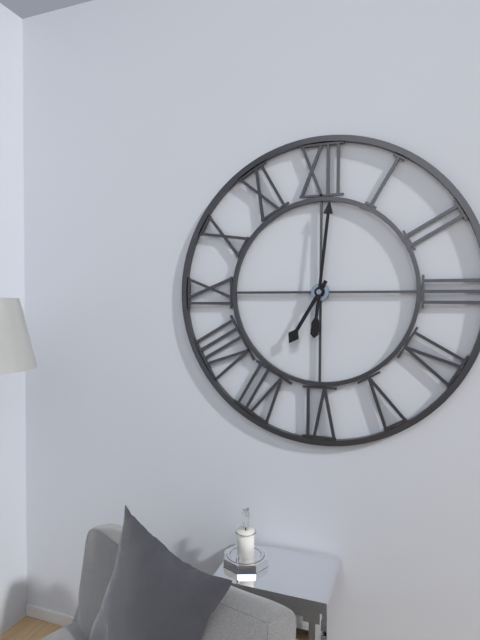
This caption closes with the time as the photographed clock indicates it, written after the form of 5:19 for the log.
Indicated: 7:01
